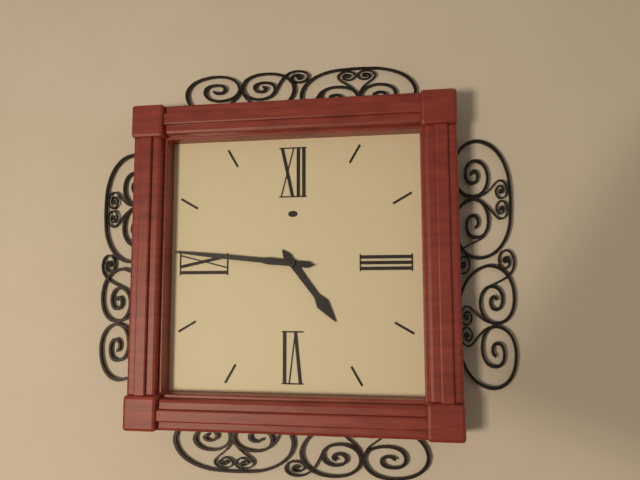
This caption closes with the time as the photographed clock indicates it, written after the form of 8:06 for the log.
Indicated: 4:46
